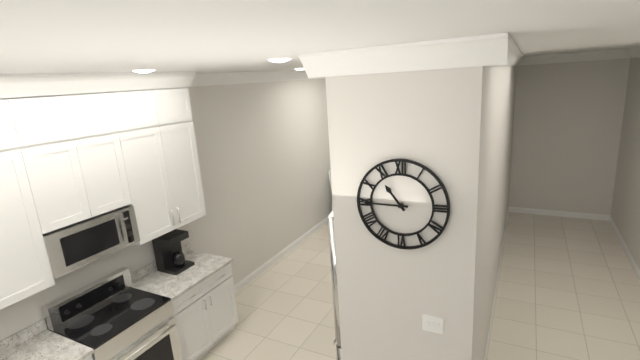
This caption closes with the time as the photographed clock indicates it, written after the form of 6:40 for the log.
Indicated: 10:45
